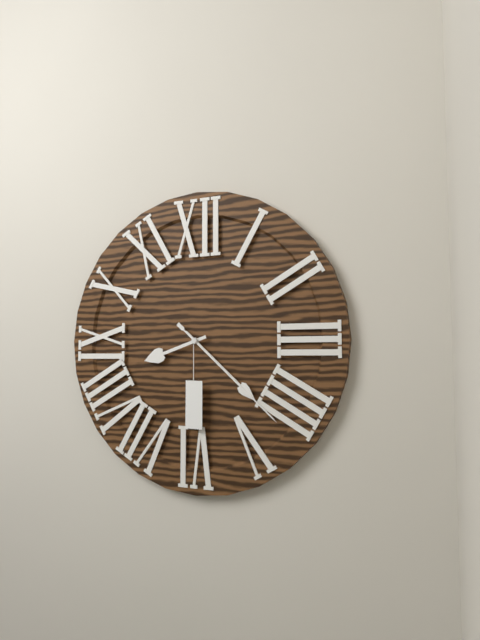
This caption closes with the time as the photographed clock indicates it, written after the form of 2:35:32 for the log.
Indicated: 8:22:22
